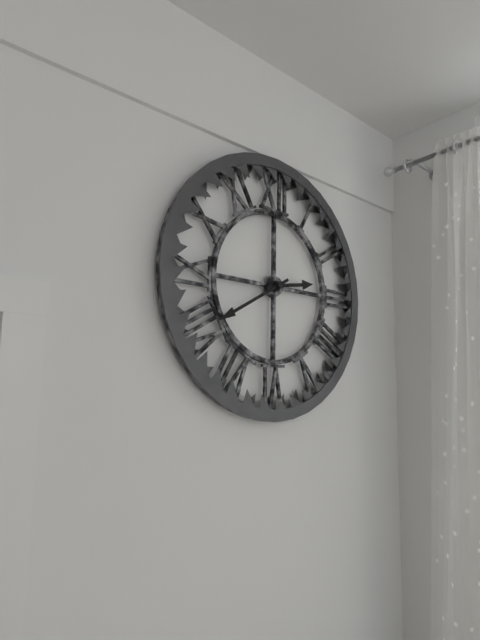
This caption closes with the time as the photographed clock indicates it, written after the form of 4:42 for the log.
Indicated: 2:40
